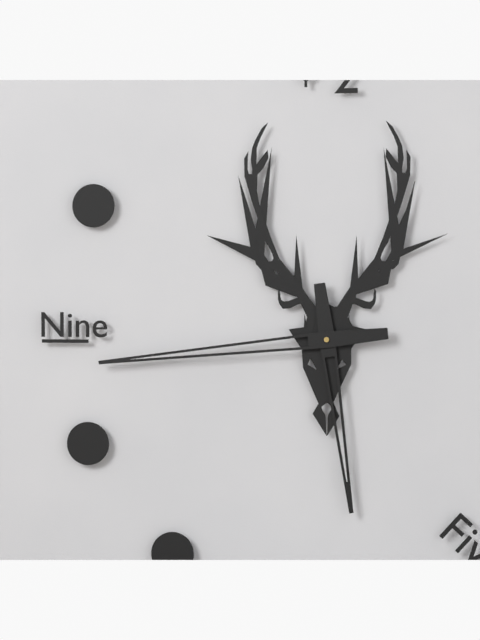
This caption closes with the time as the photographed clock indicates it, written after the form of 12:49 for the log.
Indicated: 5:44
